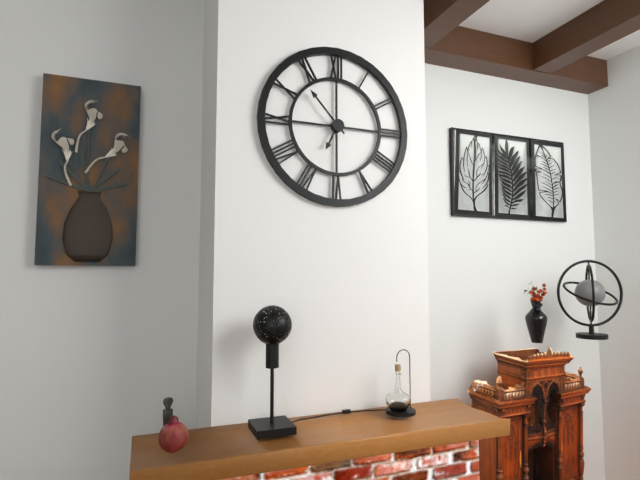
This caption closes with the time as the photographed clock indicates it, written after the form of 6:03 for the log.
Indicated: 6:53
